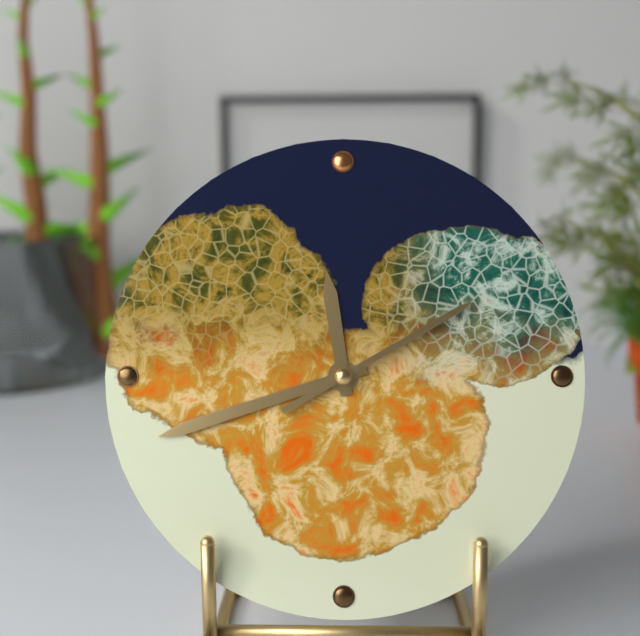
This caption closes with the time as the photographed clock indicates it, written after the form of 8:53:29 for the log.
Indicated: 11:42:10
